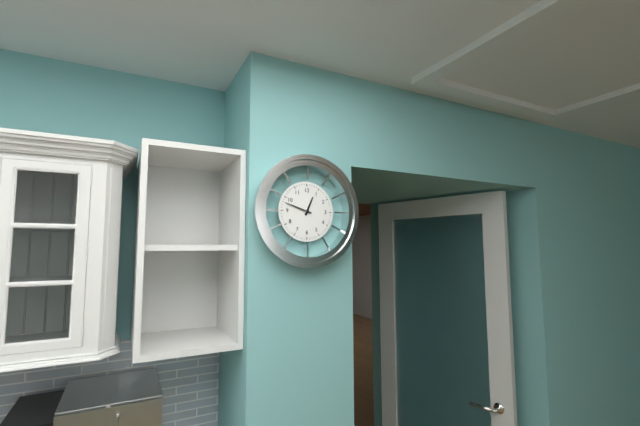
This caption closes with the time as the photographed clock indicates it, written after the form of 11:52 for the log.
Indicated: 12:48
